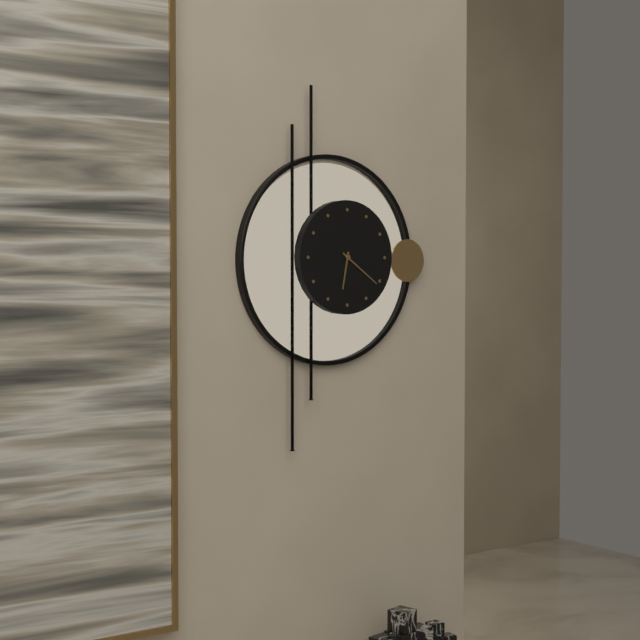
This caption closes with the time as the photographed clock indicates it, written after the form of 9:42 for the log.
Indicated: 6:21
